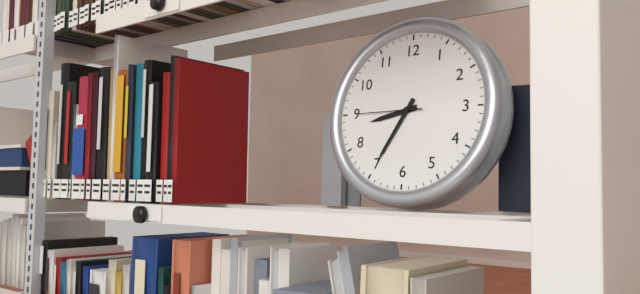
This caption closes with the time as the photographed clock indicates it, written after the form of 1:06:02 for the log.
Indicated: 8:35:45
